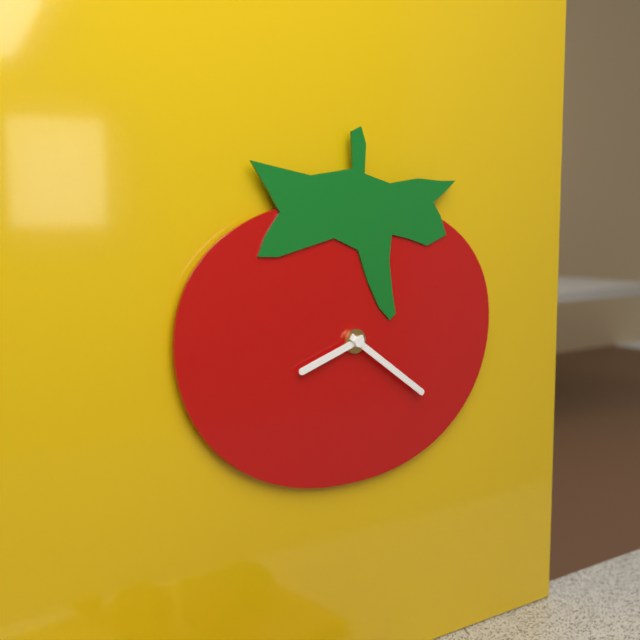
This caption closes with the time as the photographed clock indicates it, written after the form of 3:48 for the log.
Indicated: 8:21
